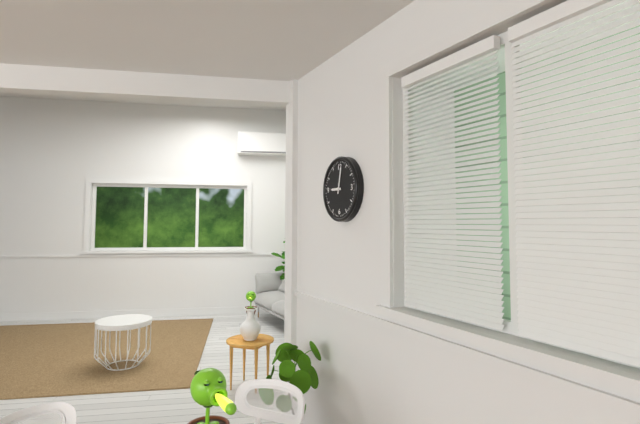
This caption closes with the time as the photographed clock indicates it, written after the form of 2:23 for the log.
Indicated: 9:02
